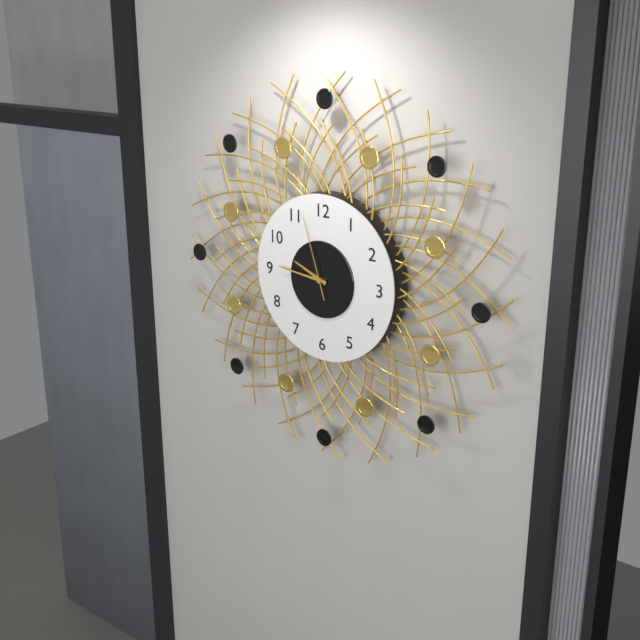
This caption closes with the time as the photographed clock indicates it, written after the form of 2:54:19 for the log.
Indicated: 9:46:57
